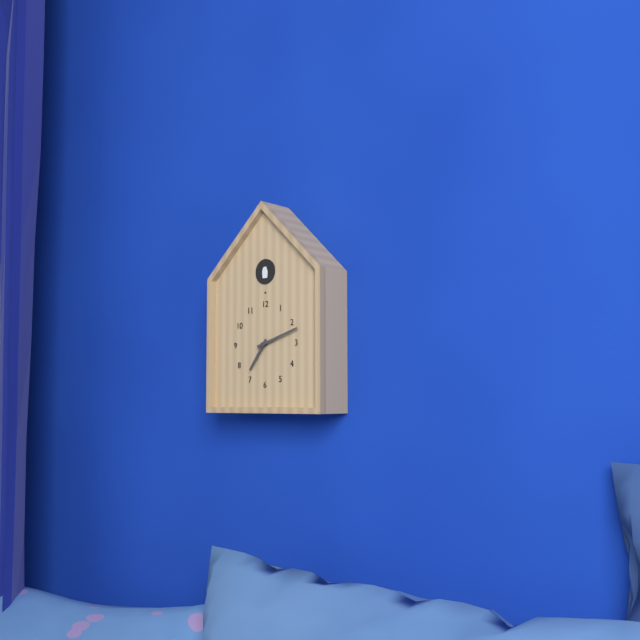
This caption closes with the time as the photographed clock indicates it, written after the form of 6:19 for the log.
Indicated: 7:12
